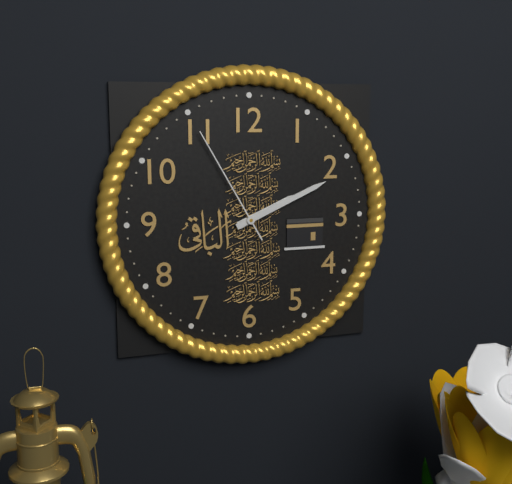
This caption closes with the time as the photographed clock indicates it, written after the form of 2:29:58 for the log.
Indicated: 2:11:55
